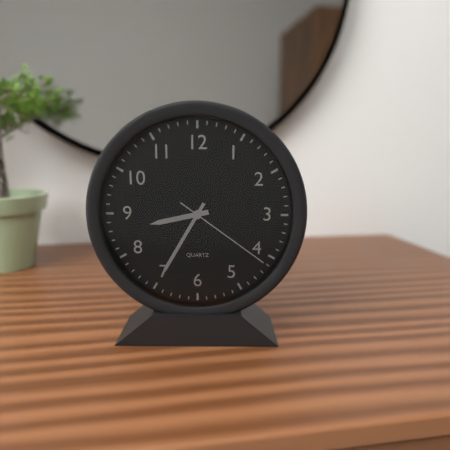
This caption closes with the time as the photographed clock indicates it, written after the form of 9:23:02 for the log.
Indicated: 8:35:21
